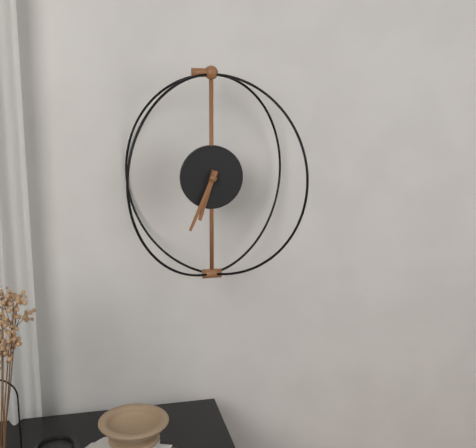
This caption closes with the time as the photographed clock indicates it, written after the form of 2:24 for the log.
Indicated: 6:34
